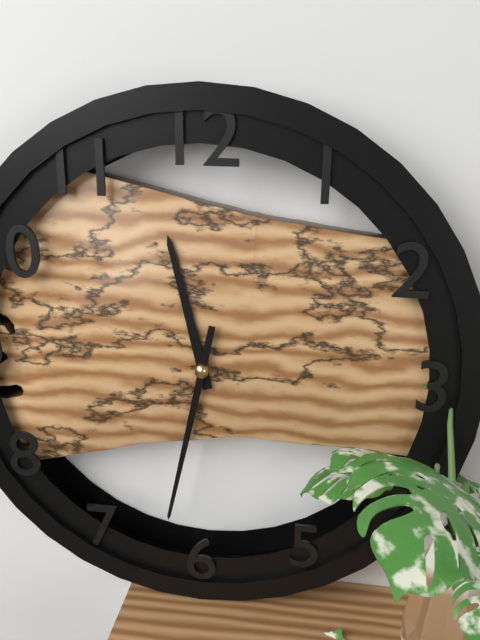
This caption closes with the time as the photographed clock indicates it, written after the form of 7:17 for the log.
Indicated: 11:32
